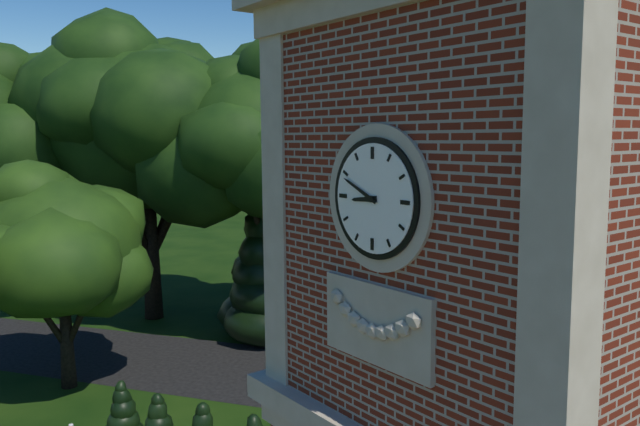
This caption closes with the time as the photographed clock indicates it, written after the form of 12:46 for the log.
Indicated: 8:49
